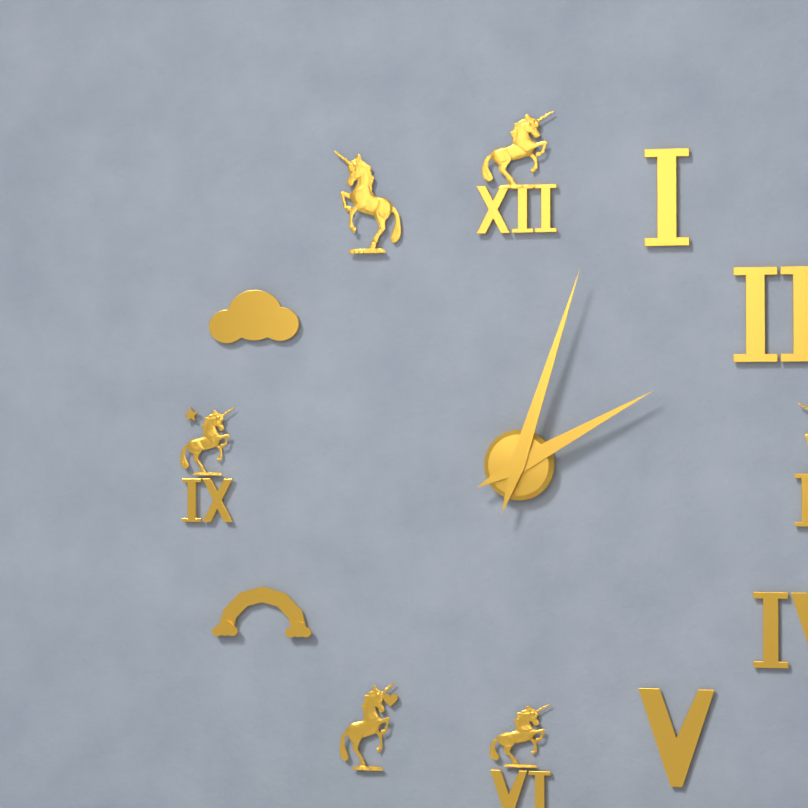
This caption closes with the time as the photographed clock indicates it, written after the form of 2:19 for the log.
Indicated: 2:03
